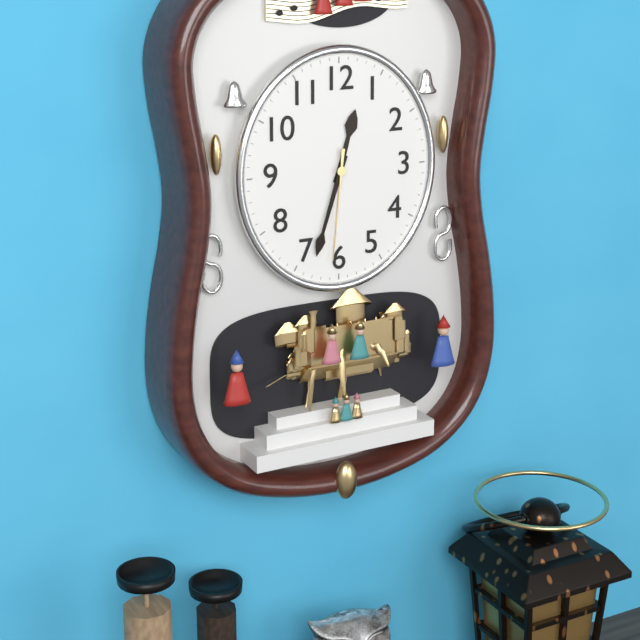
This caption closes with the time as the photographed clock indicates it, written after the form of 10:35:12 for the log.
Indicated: 12:33:31
